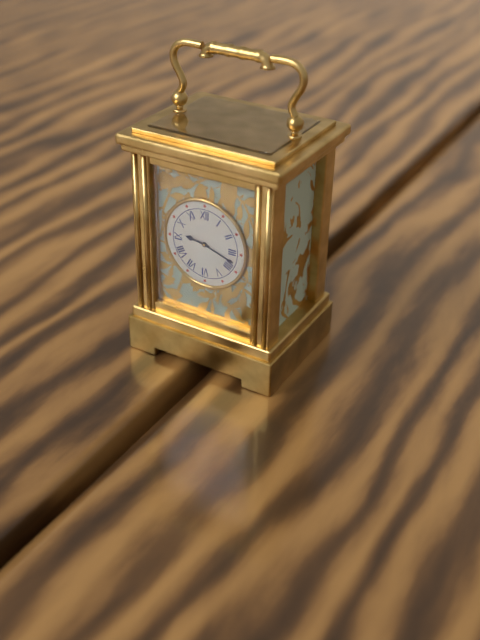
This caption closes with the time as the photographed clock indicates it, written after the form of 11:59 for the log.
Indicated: 9:18
